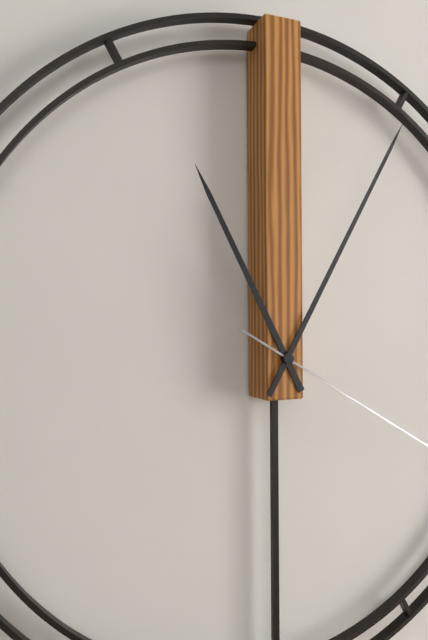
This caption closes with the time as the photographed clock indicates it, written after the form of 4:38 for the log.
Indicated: 11:05
